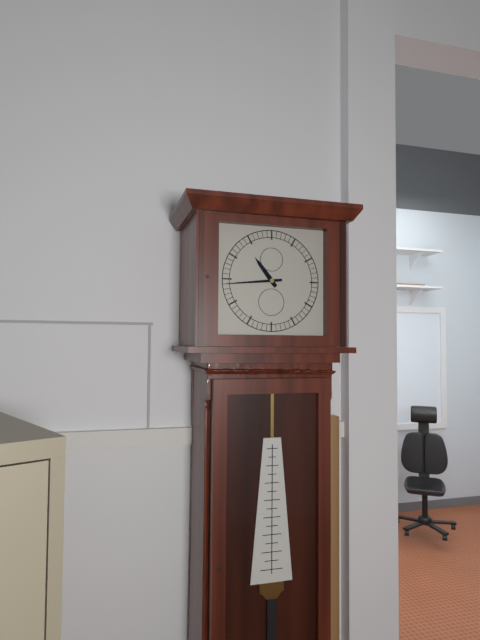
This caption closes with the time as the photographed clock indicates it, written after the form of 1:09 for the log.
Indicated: 10:44
